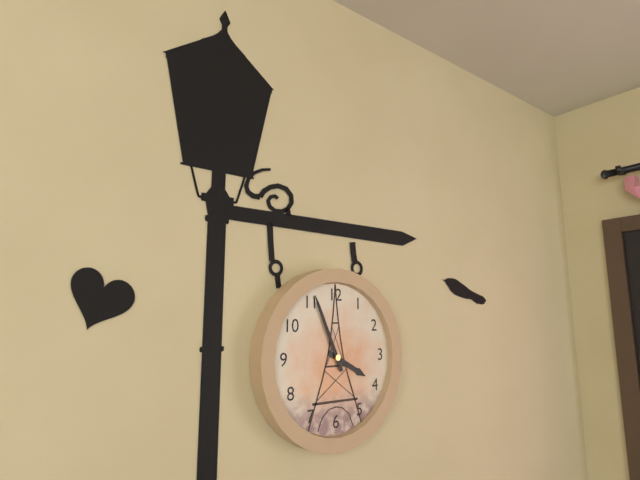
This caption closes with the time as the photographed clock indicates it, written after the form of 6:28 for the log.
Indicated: 3:56
